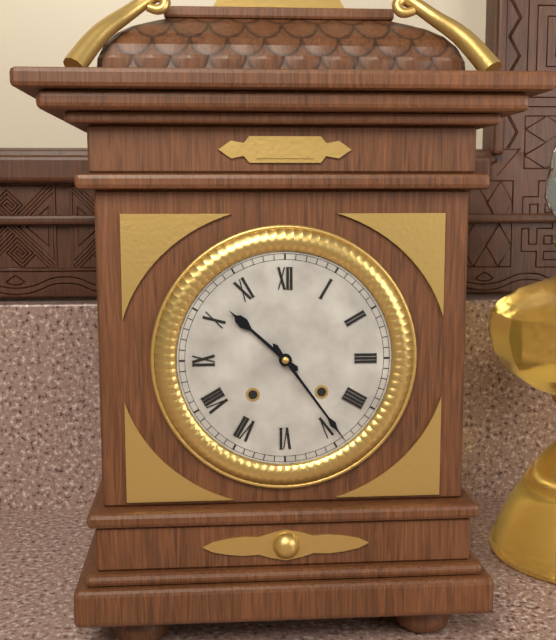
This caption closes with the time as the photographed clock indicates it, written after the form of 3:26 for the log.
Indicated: 10:24
